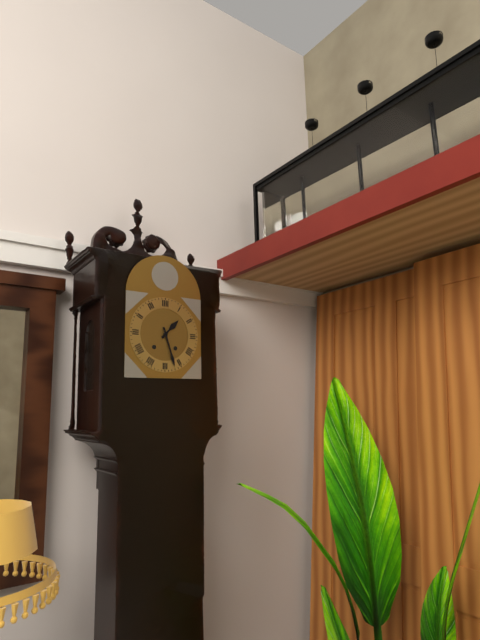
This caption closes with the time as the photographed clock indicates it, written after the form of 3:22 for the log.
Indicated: 1:27
